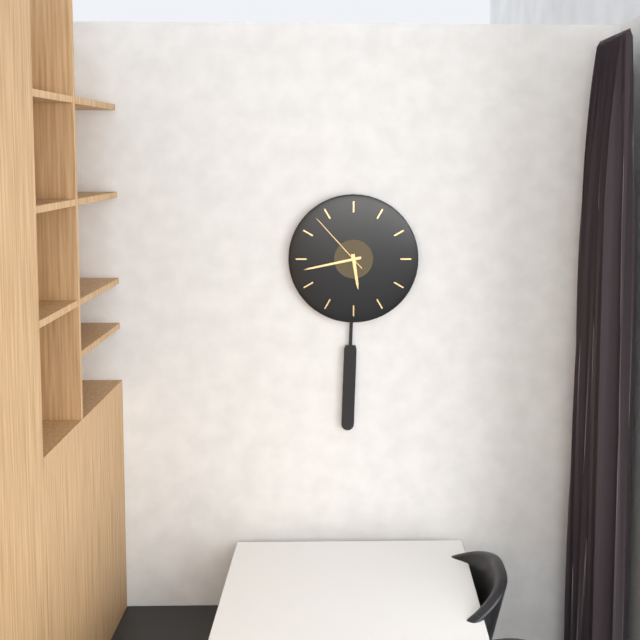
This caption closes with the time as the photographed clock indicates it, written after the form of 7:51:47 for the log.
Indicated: 5:43:53
